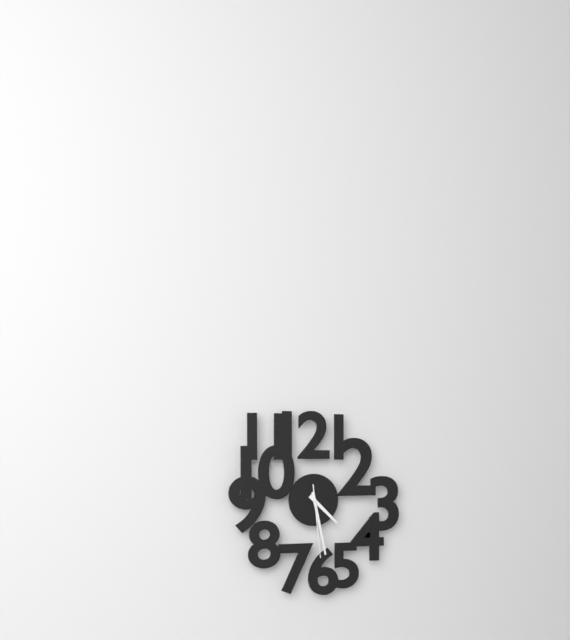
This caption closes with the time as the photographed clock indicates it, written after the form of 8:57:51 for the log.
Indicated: 4:28:29
